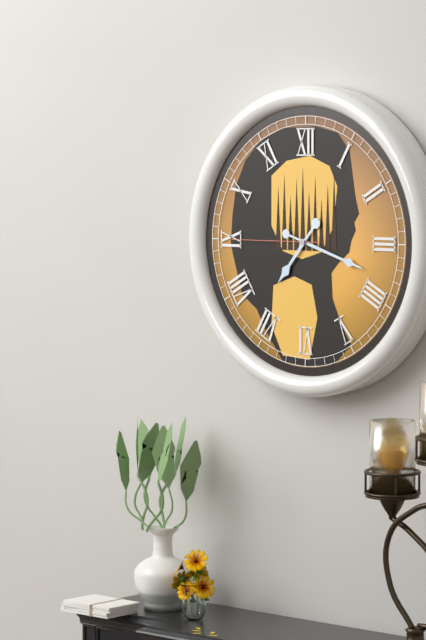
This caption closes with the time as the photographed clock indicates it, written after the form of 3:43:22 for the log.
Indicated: 7:18:45
